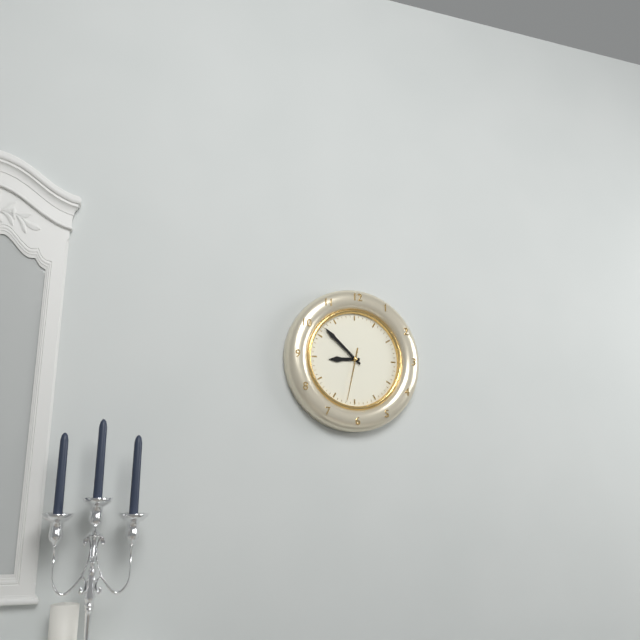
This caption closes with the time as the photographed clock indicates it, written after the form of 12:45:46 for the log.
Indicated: 8:52:32
